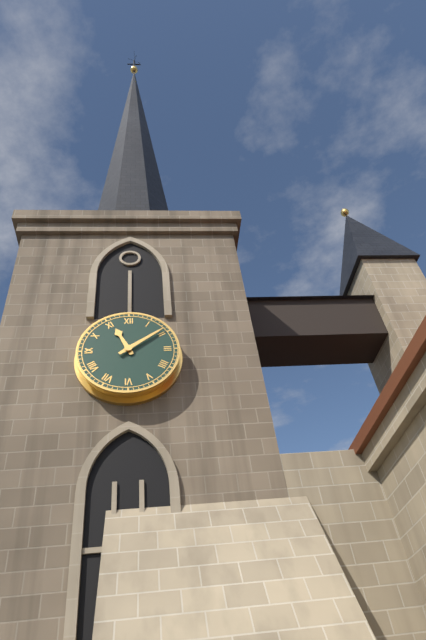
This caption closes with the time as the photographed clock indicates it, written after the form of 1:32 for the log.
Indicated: 11:09
